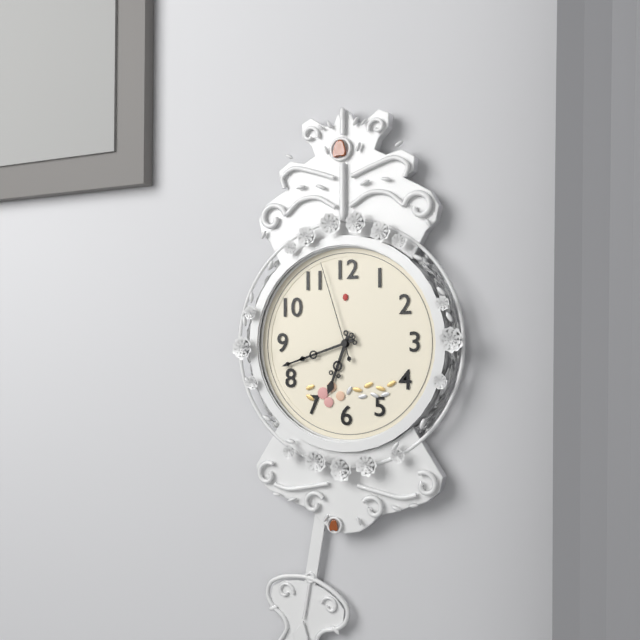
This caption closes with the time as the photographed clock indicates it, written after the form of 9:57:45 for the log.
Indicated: 6:42:57
